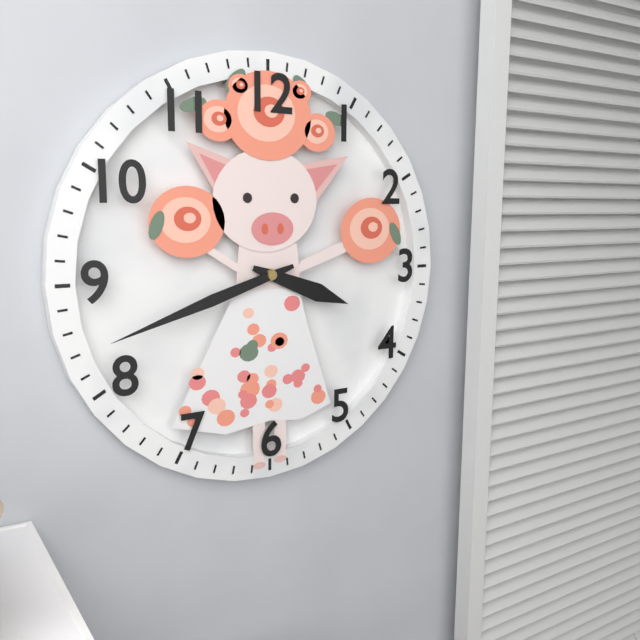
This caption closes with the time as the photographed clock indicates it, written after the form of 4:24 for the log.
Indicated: 3:42
